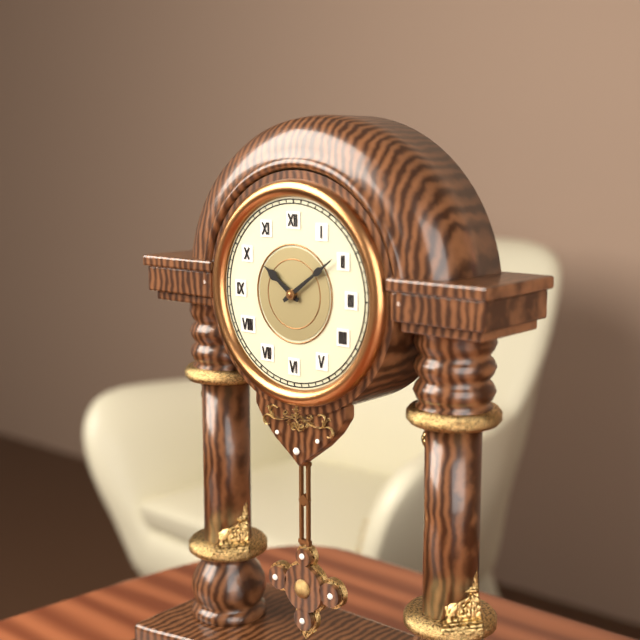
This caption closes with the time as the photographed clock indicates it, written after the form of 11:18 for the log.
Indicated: 10:09
